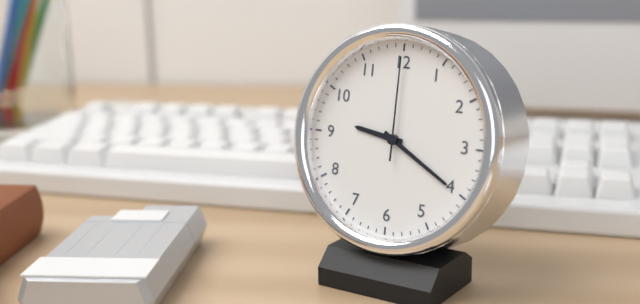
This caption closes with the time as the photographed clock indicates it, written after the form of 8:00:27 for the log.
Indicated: 9:20:00
